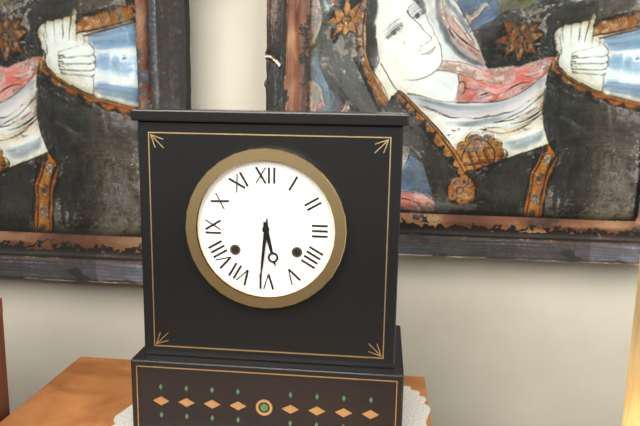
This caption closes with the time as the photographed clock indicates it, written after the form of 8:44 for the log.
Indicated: 5:31
